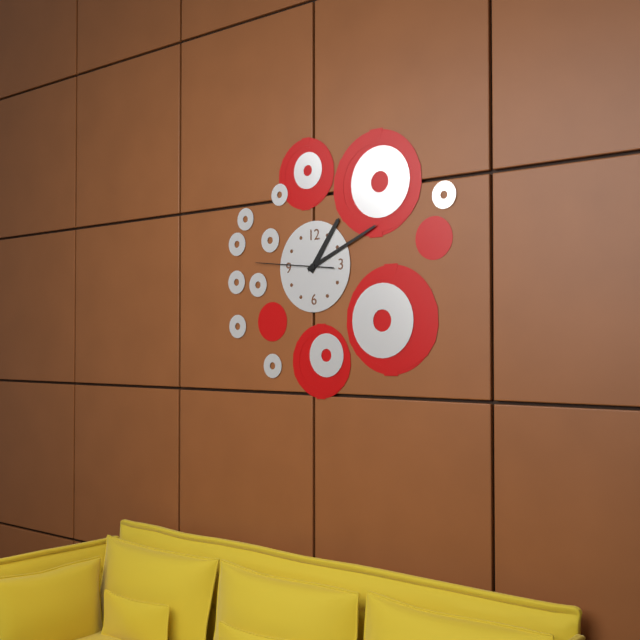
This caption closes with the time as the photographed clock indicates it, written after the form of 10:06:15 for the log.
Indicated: 1:11:46
